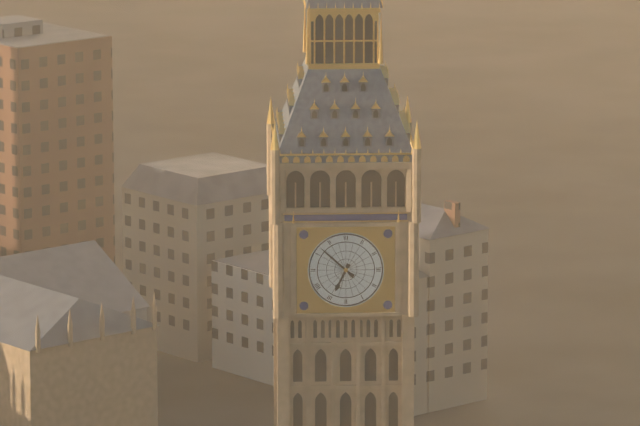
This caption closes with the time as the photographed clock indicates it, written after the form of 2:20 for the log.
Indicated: 6:52
